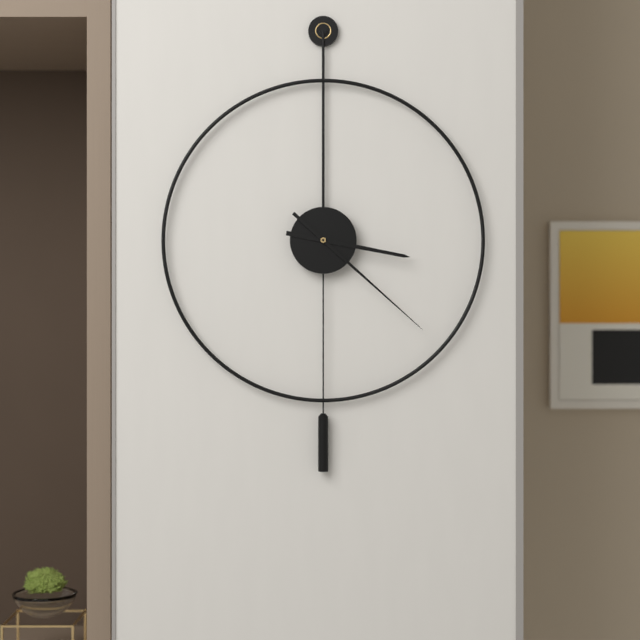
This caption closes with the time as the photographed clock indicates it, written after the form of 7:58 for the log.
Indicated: 3:22
